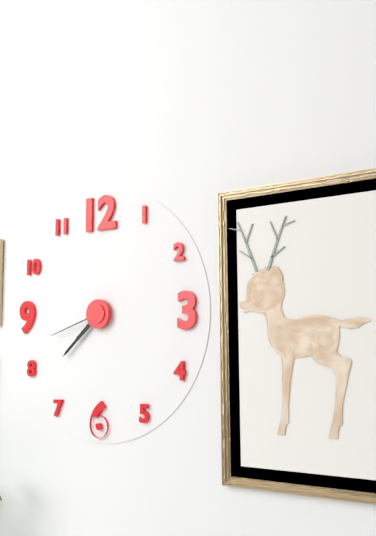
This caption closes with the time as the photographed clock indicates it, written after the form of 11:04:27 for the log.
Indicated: 7:38:42
